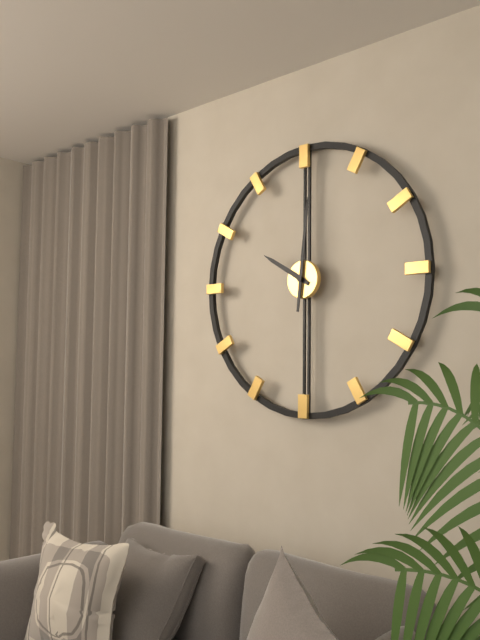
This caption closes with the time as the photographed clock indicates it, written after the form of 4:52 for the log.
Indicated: 10:01
